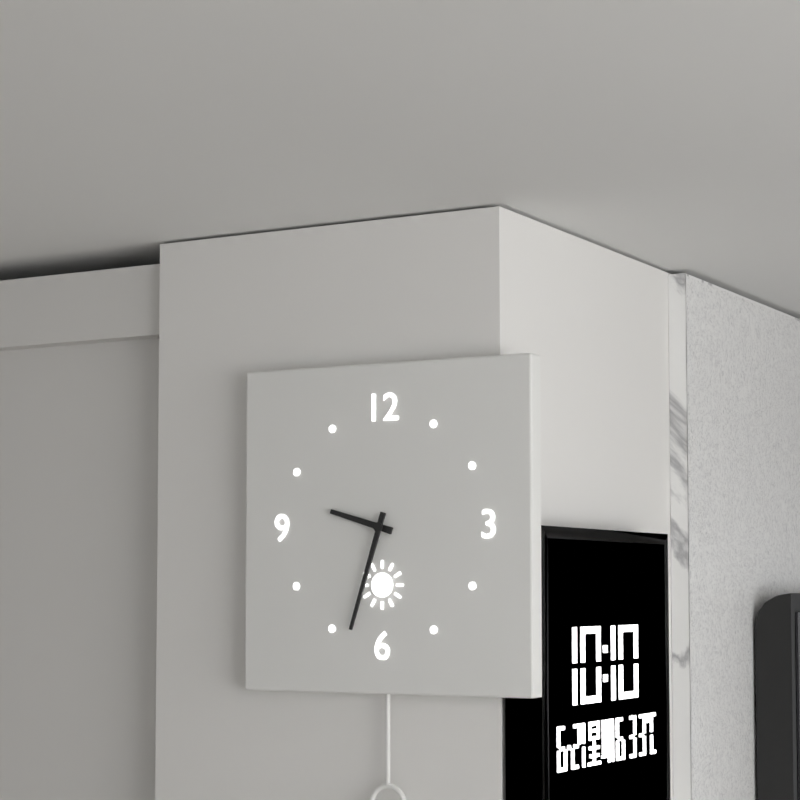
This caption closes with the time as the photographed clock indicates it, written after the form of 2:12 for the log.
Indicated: 9:33
